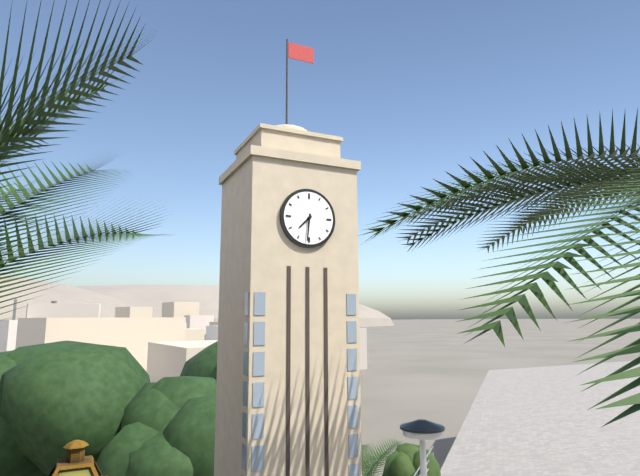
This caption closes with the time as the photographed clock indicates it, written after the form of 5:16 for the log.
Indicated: 7:31
